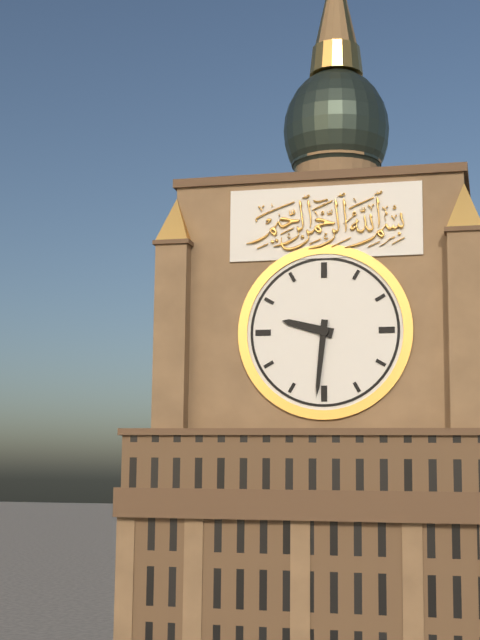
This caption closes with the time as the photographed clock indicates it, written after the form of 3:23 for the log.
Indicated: 9:31
